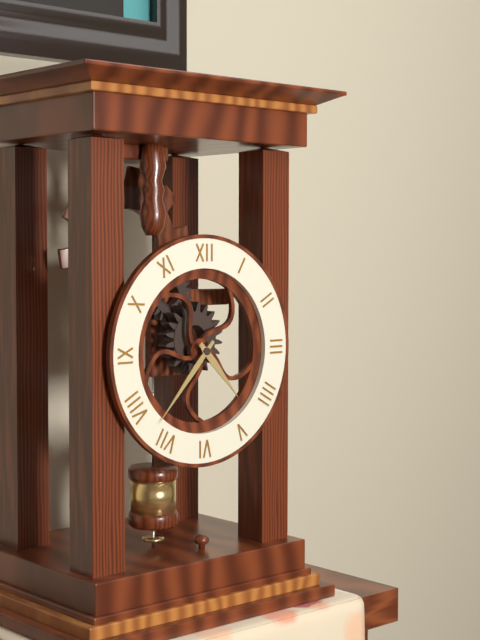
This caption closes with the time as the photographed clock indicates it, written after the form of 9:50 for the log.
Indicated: 4:37
